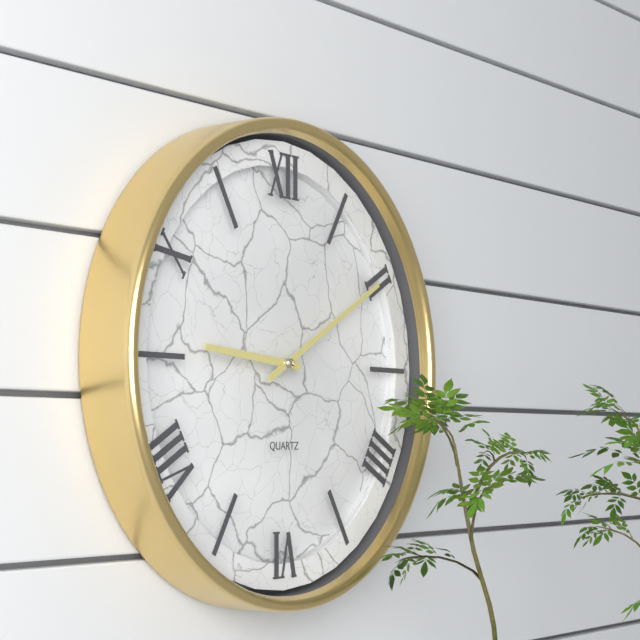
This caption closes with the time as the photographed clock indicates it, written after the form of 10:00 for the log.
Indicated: 9:10
